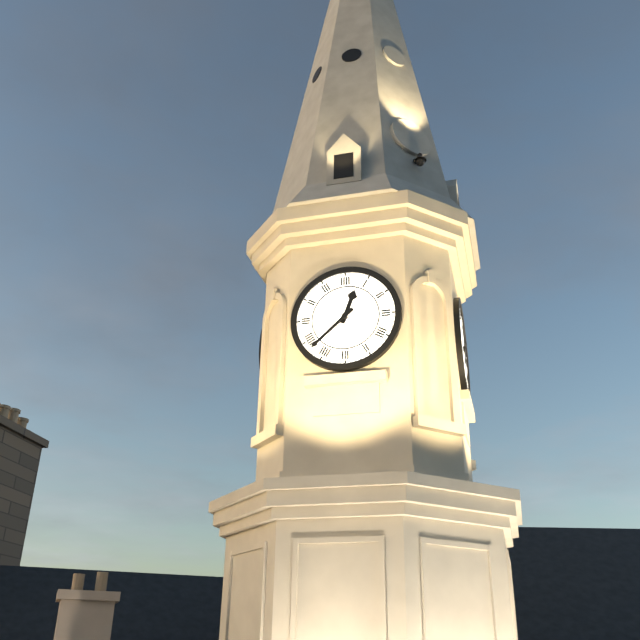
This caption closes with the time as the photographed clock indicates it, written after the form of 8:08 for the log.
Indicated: 12:38
